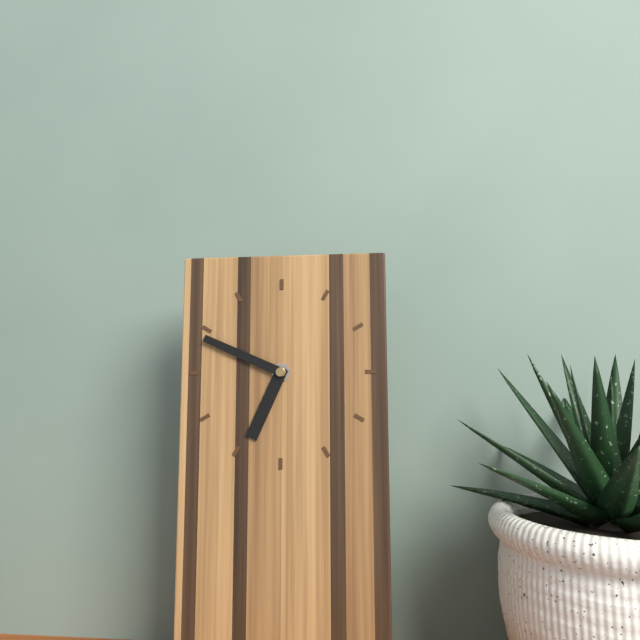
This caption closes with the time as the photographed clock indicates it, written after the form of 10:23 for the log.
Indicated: 6:49
